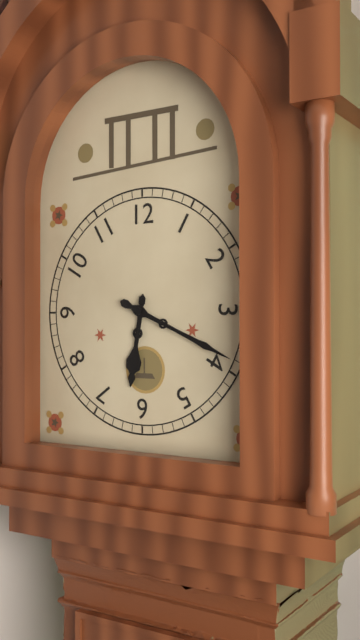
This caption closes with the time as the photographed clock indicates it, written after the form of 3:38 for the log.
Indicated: 6:19
